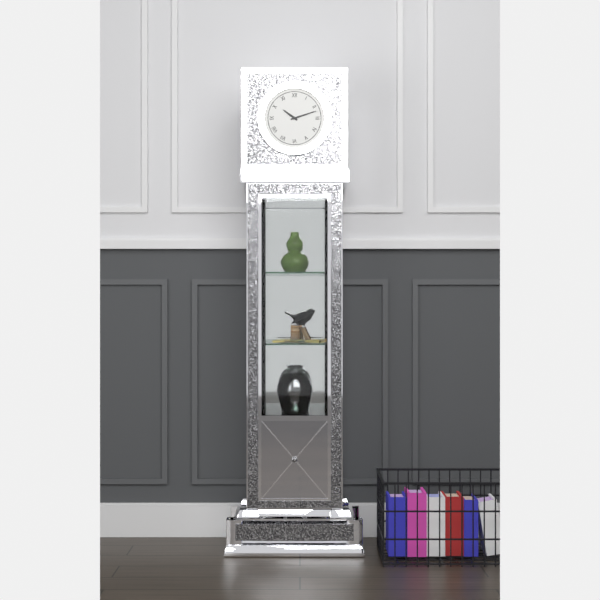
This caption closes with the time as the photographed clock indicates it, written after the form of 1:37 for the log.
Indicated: 10:12
